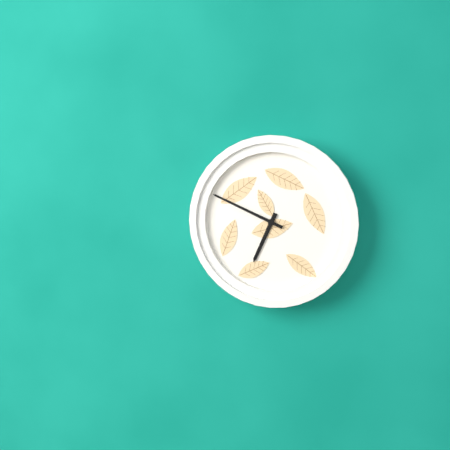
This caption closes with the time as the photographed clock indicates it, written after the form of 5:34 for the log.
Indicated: 6:49
